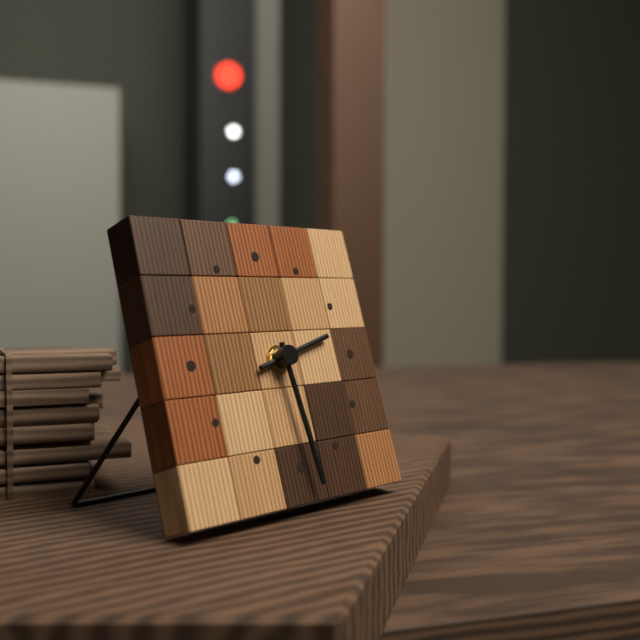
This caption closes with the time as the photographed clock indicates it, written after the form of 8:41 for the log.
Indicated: 2:29
